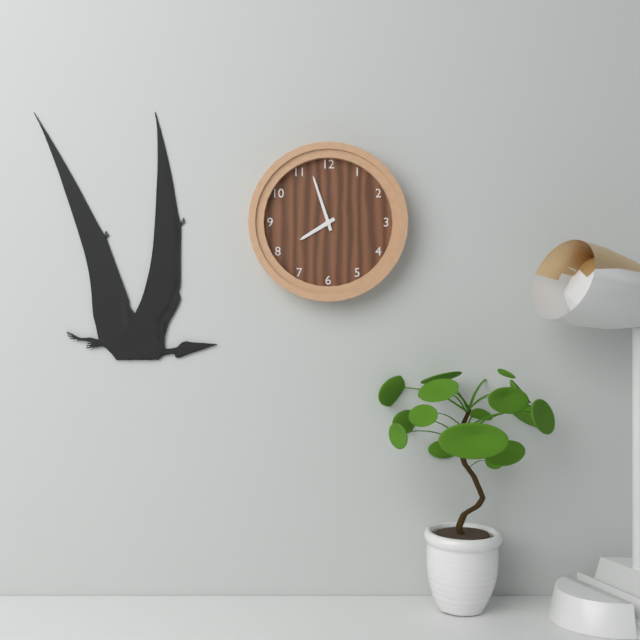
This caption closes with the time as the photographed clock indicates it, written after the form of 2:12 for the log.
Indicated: 7:57
